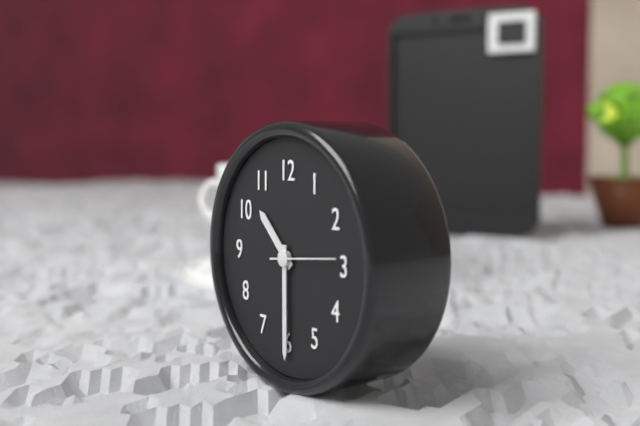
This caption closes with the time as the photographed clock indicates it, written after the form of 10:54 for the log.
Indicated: 10:30
